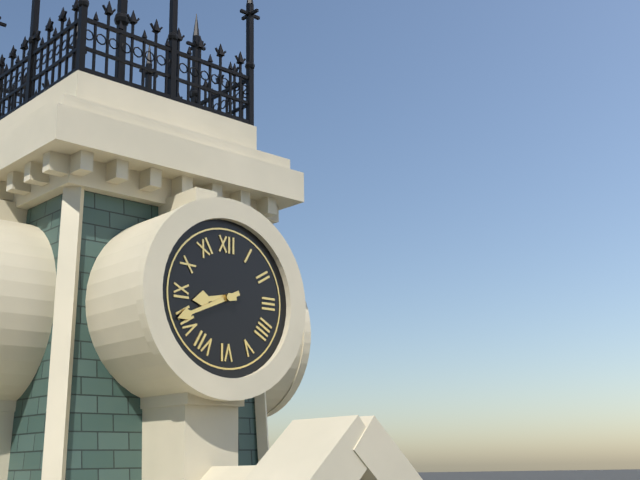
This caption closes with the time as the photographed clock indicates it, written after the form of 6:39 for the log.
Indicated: 8:41
